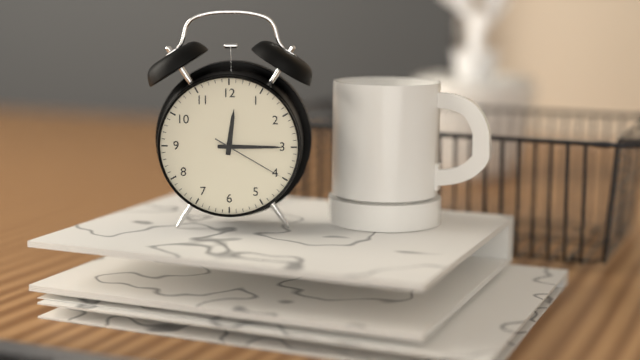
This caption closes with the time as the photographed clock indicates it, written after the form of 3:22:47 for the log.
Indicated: 12:15:20
